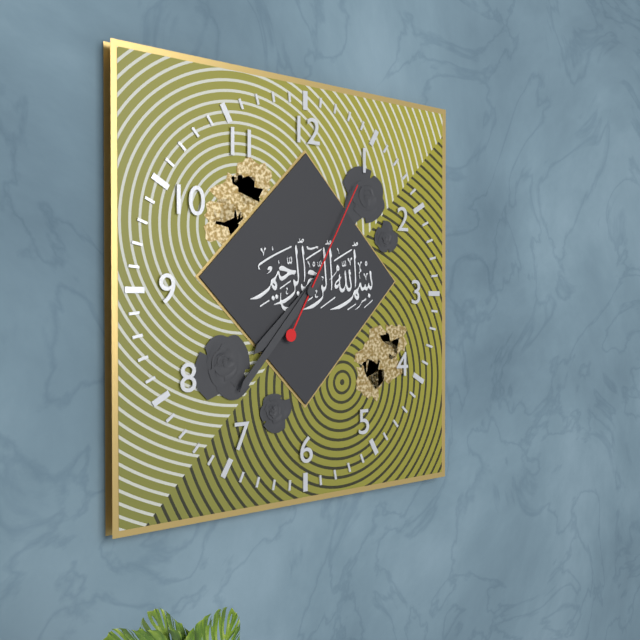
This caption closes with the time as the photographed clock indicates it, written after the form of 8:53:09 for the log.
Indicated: 7:37:05
